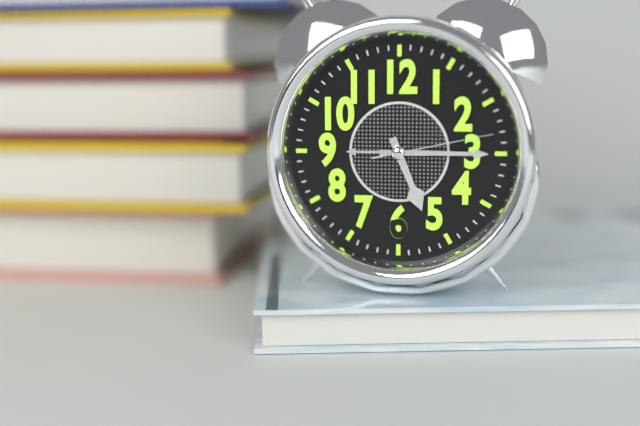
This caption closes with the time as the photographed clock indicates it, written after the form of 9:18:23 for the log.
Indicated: 5:15:13
